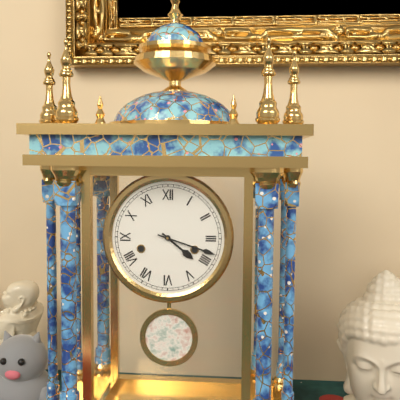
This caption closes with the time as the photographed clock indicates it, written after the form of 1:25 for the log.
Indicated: 4:18
